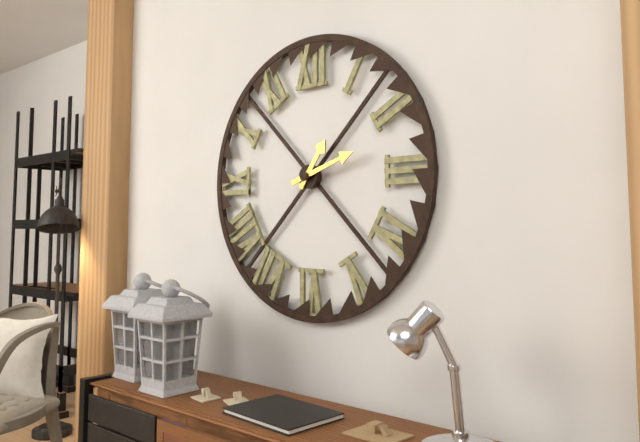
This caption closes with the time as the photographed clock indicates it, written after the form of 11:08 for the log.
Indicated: 1:12
